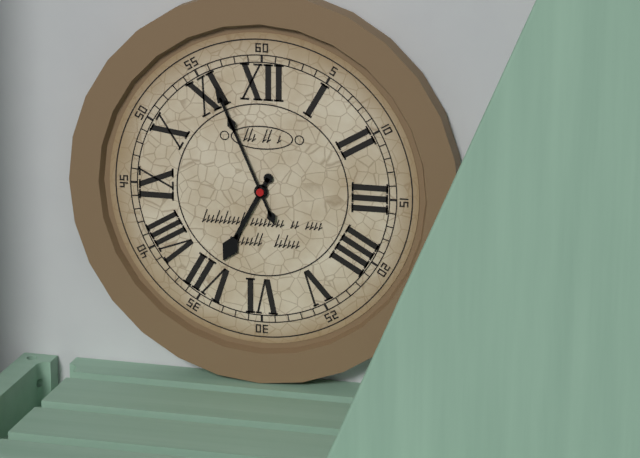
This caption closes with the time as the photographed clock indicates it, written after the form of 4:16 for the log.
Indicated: 6:56
